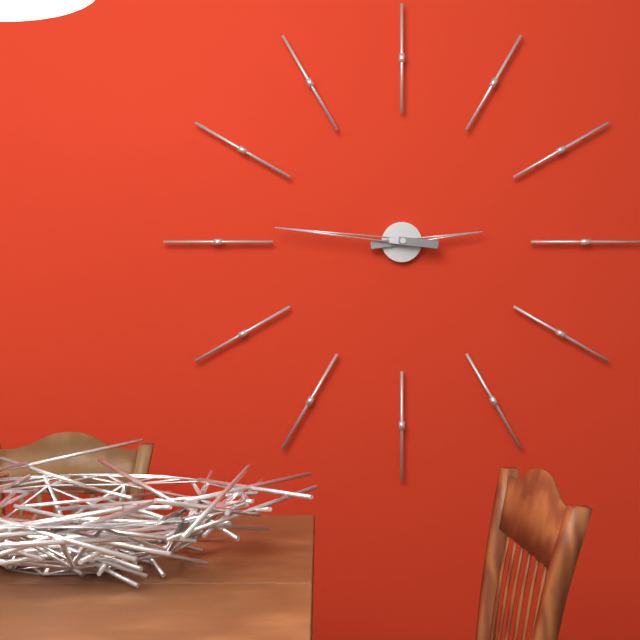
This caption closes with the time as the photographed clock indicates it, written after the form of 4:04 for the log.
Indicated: 2:46
